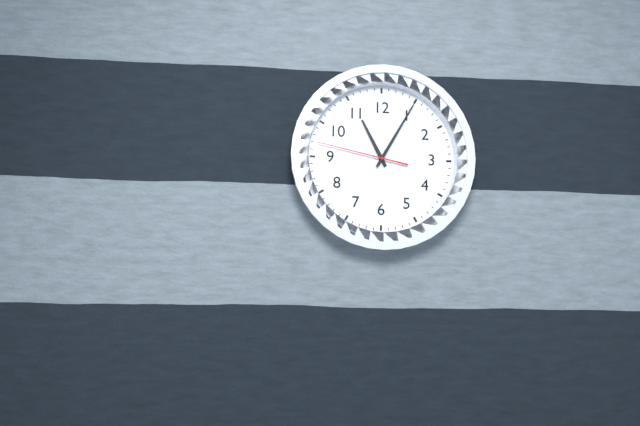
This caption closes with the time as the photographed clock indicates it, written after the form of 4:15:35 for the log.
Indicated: 11:05:47
